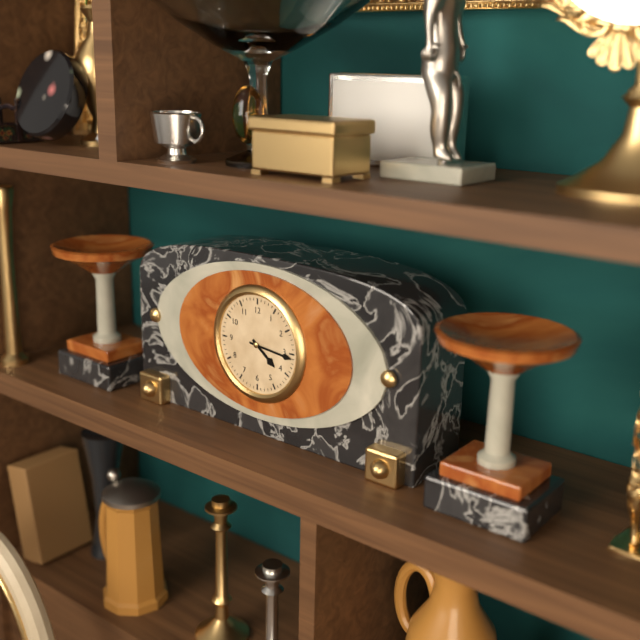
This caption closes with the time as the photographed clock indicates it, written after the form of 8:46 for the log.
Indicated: 4:16
